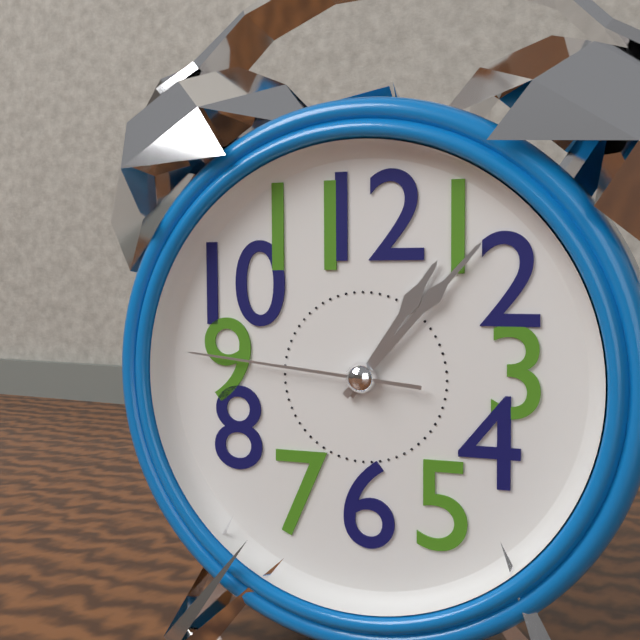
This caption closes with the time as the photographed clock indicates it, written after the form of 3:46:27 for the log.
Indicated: 1:07:46
